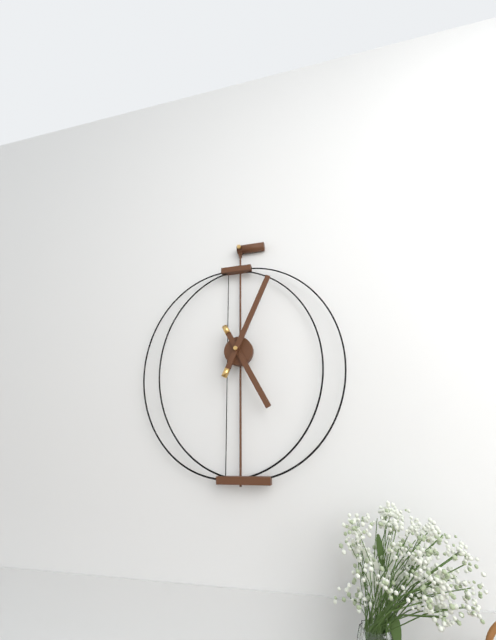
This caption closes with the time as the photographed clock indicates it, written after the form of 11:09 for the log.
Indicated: 5:04
